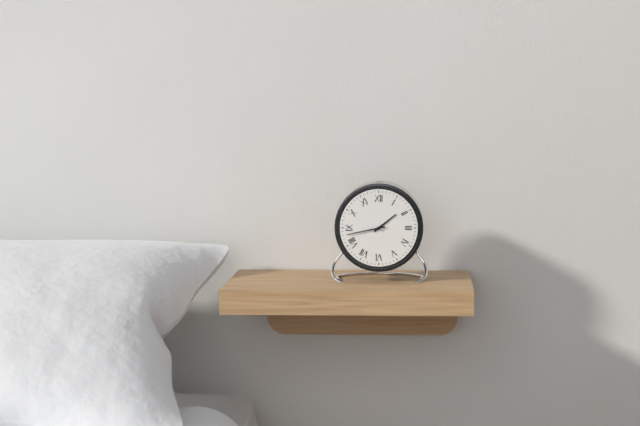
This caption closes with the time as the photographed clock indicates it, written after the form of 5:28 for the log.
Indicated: 1:43
